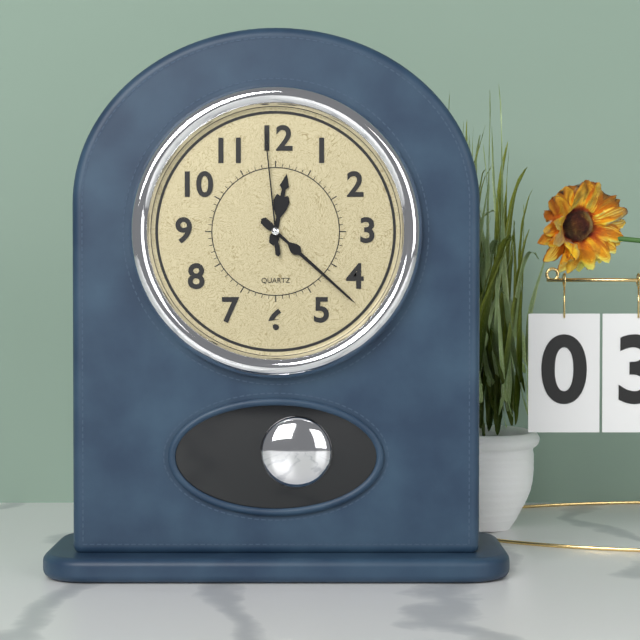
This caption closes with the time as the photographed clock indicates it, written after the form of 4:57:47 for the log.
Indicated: 12:22:59
